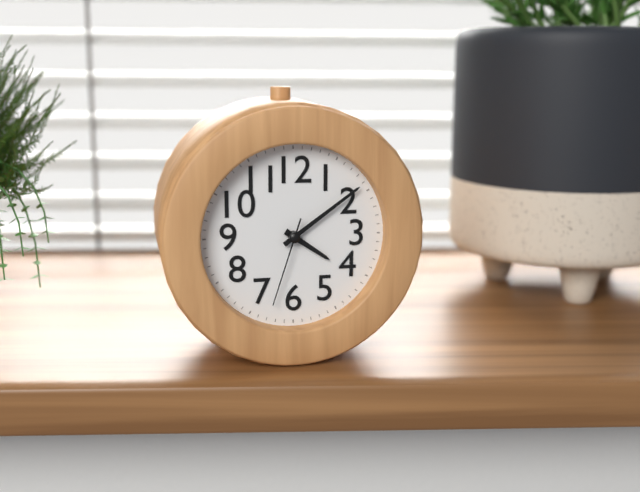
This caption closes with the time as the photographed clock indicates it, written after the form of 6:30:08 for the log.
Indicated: 4:09:33
